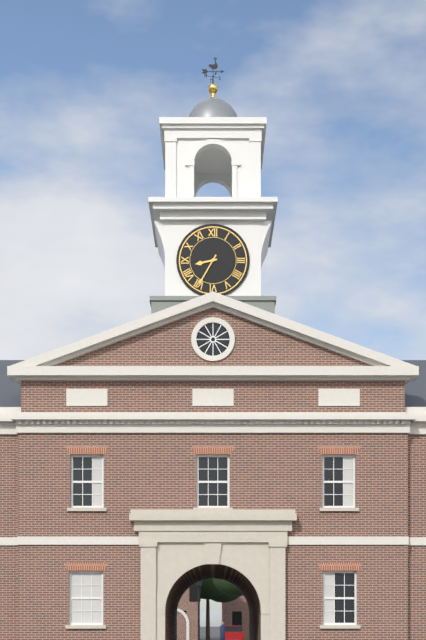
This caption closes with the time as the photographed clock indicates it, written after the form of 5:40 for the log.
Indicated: 8:35
